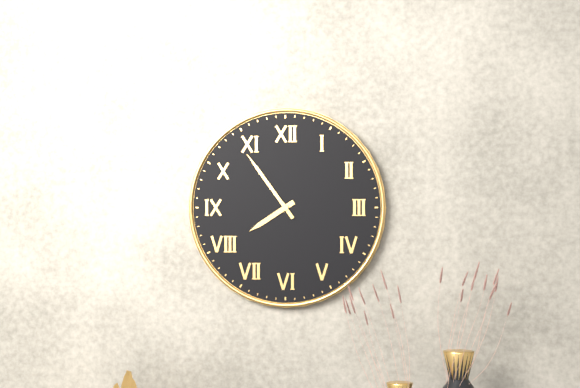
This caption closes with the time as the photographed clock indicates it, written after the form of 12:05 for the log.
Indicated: 7:54
